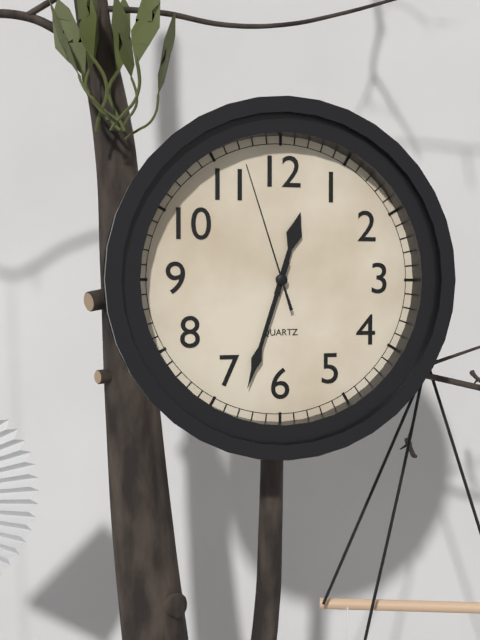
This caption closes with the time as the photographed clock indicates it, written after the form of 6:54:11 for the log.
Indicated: 12:33:57
